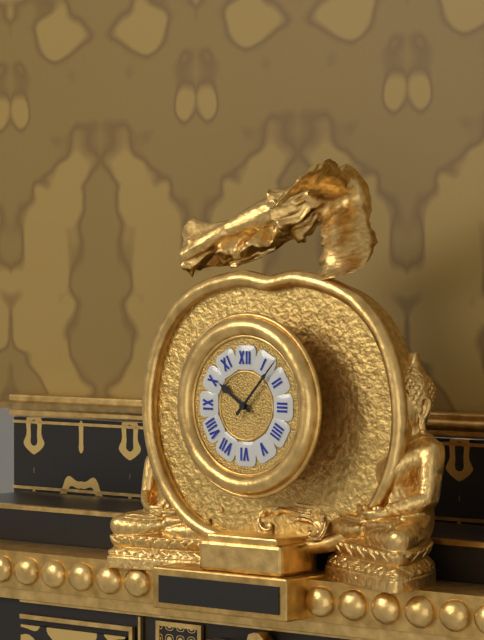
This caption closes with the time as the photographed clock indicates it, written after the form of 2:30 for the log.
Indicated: 10:07
